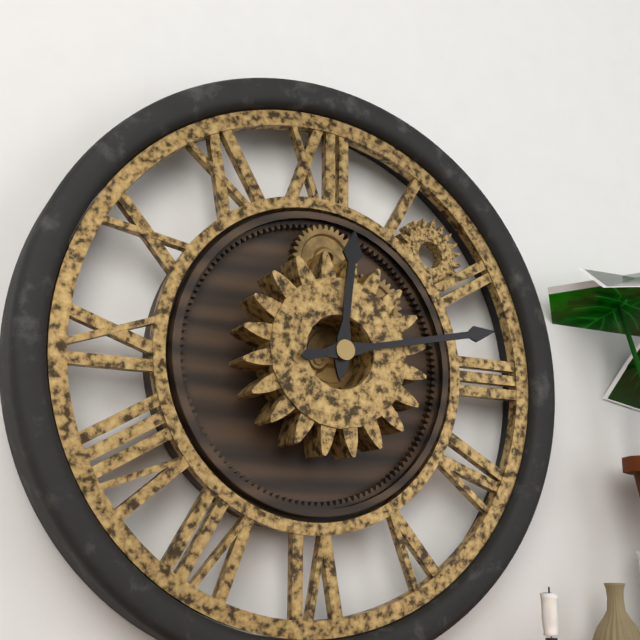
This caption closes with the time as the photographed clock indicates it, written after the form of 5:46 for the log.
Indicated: 12:13
